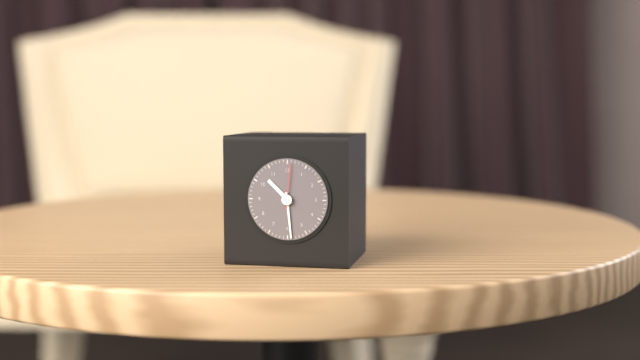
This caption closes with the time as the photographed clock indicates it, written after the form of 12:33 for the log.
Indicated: 10:29
